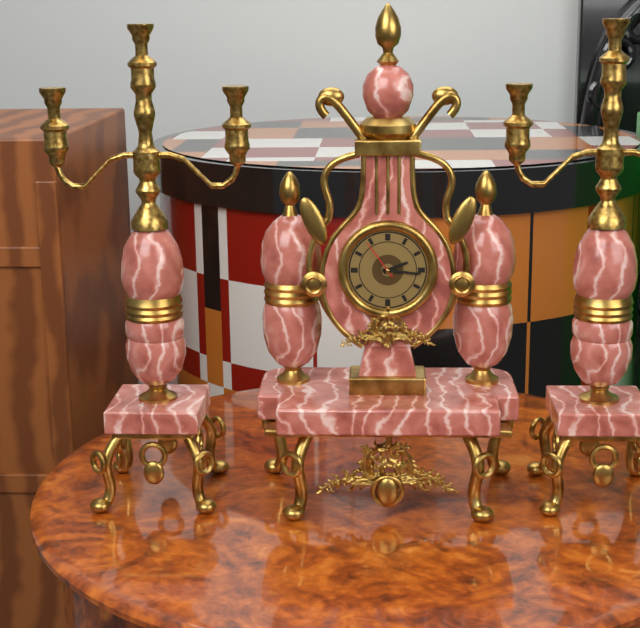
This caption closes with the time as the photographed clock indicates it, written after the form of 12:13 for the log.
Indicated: 2:16
